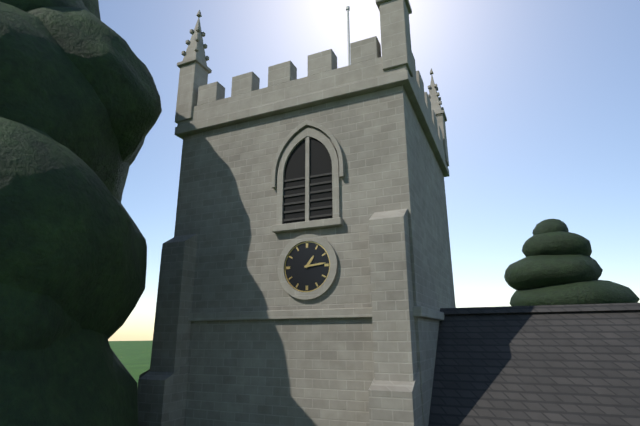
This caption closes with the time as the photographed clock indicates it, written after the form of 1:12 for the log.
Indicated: 1:14
